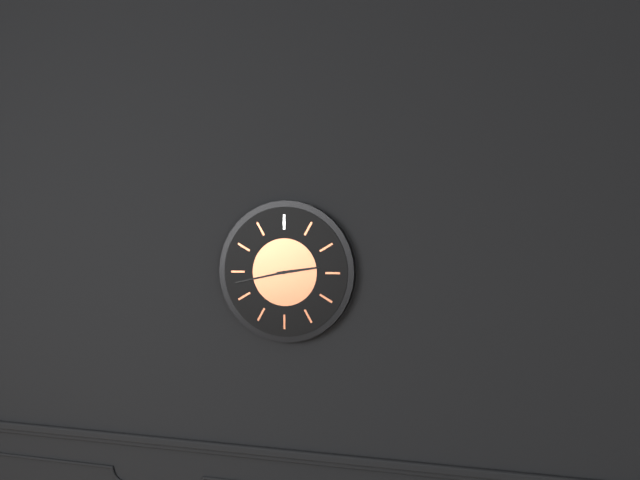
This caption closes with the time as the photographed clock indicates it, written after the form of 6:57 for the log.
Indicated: 2:43
